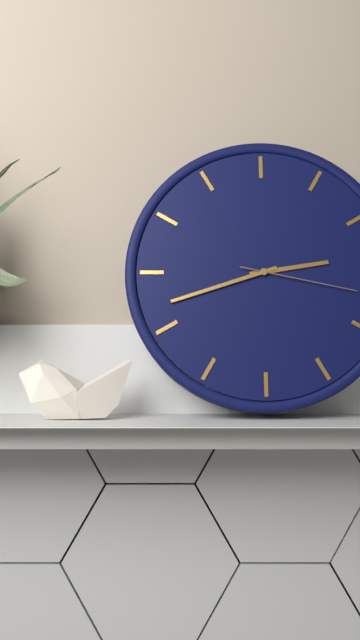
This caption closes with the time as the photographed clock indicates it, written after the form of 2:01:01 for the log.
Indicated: 2:42:17
